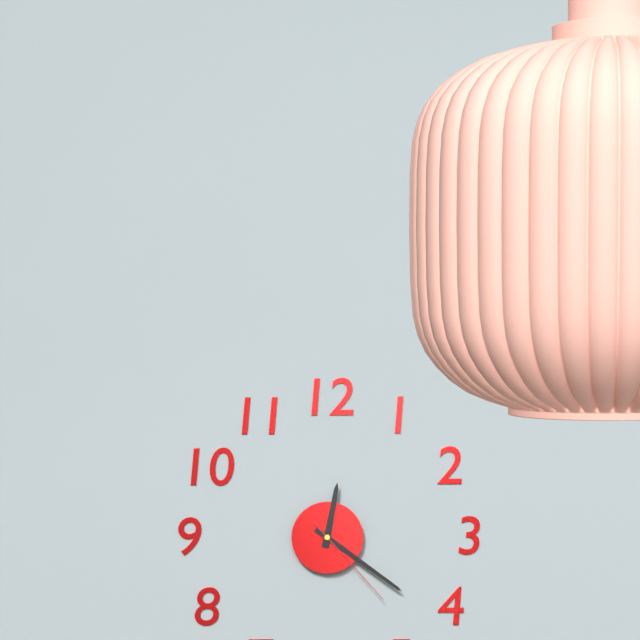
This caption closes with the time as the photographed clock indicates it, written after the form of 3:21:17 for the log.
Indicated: 12:21:23
